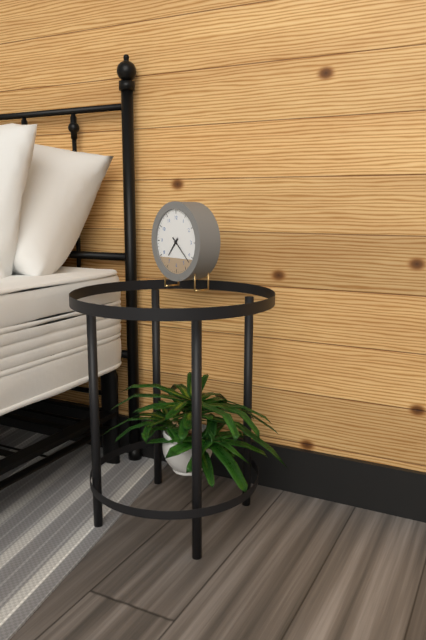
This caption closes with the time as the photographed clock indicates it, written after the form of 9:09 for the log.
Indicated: 7:22
